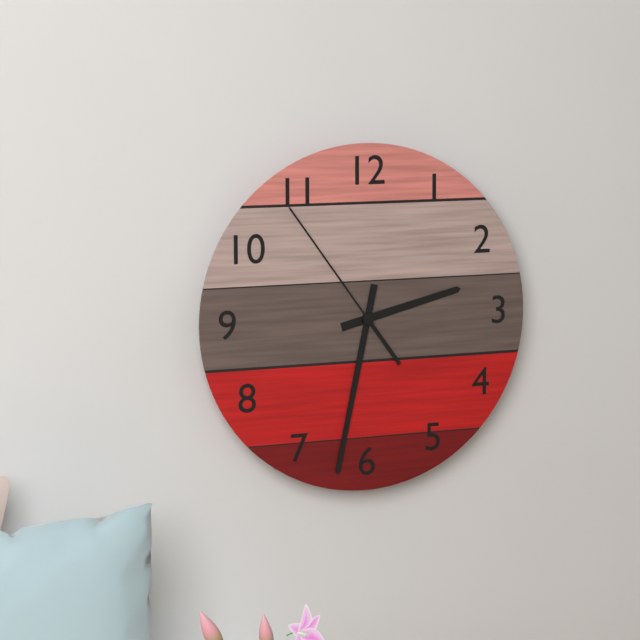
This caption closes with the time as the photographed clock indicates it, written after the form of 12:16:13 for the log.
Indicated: 2:32:54
